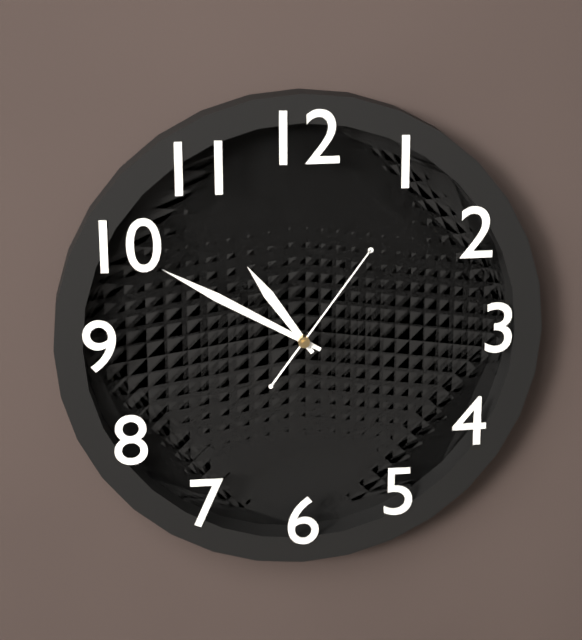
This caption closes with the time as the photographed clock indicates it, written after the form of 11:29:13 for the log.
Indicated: 10:50:06
